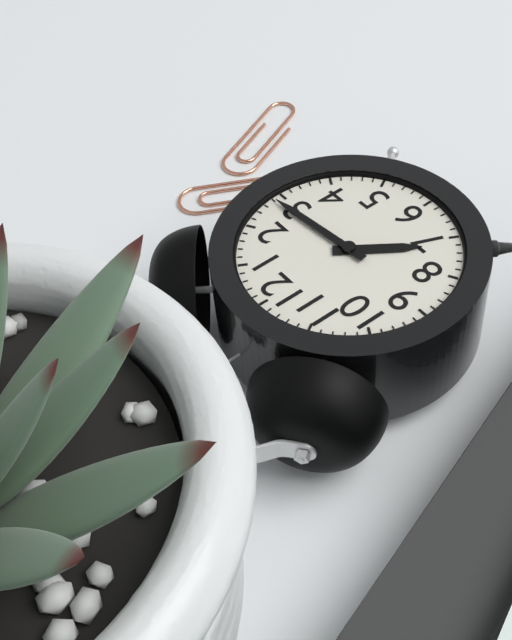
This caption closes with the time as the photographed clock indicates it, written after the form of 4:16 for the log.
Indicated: 7:14
